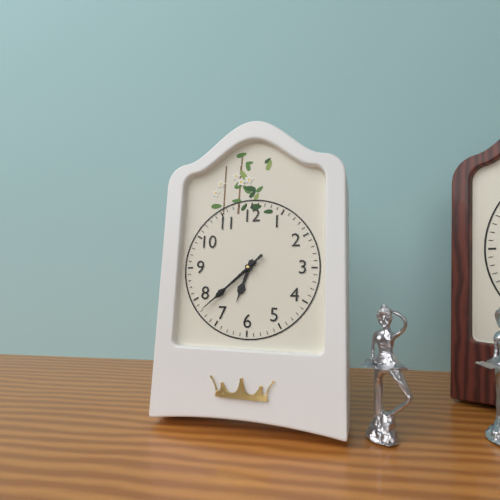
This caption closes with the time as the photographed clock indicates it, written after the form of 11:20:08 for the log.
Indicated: 6:38:38
